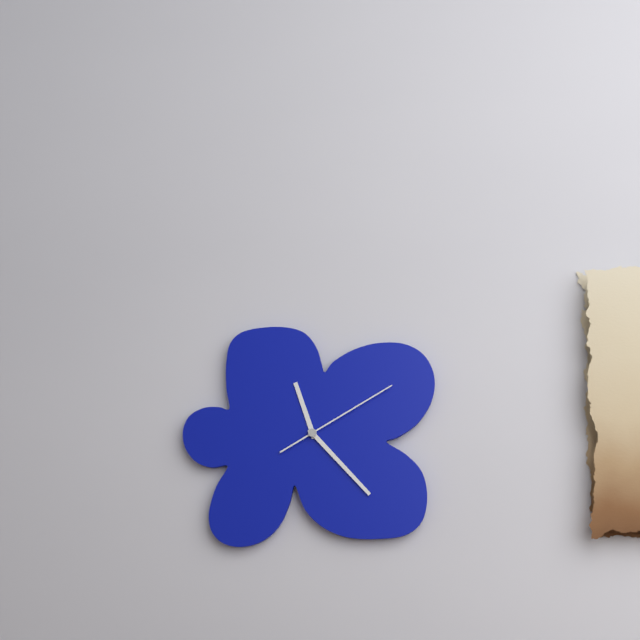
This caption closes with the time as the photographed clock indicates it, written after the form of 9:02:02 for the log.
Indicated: 11:23:10
